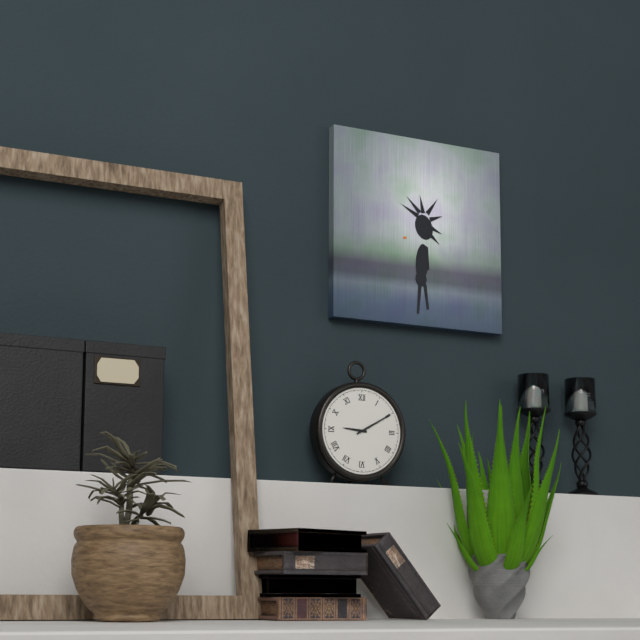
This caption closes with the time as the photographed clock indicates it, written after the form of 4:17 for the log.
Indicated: 9:10
